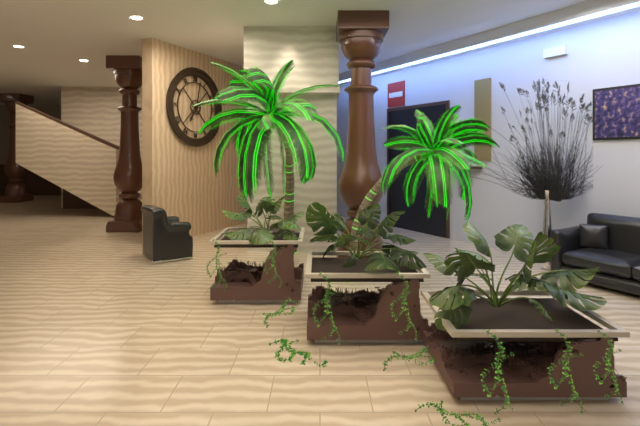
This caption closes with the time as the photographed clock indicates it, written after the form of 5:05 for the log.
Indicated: 7:02
